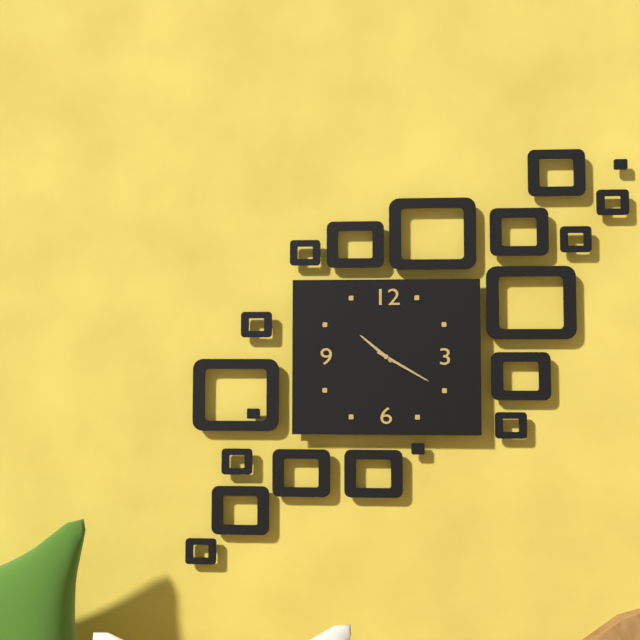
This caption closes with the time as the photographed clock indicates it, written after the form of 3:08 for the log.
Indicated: 10:20
